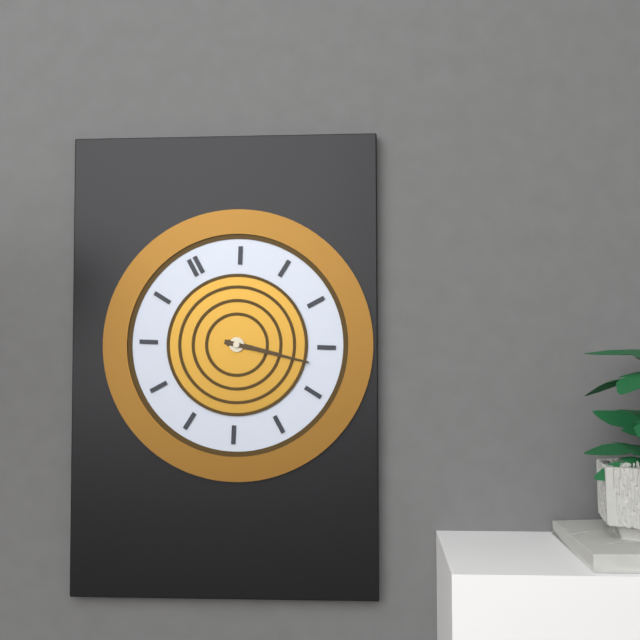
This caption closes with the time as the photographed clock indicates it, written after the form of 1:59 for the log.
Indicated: 4:22
